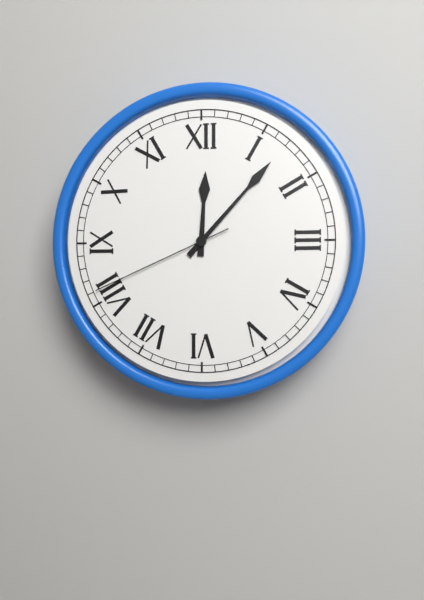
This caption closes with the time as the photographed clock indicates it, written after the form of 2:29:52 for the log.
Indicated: 12:07:41
